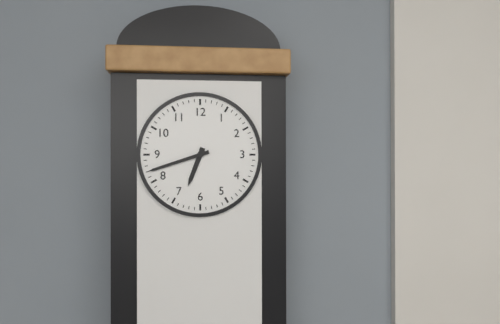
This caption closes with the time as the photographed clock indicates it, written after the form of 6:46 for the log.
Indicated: 6:42
